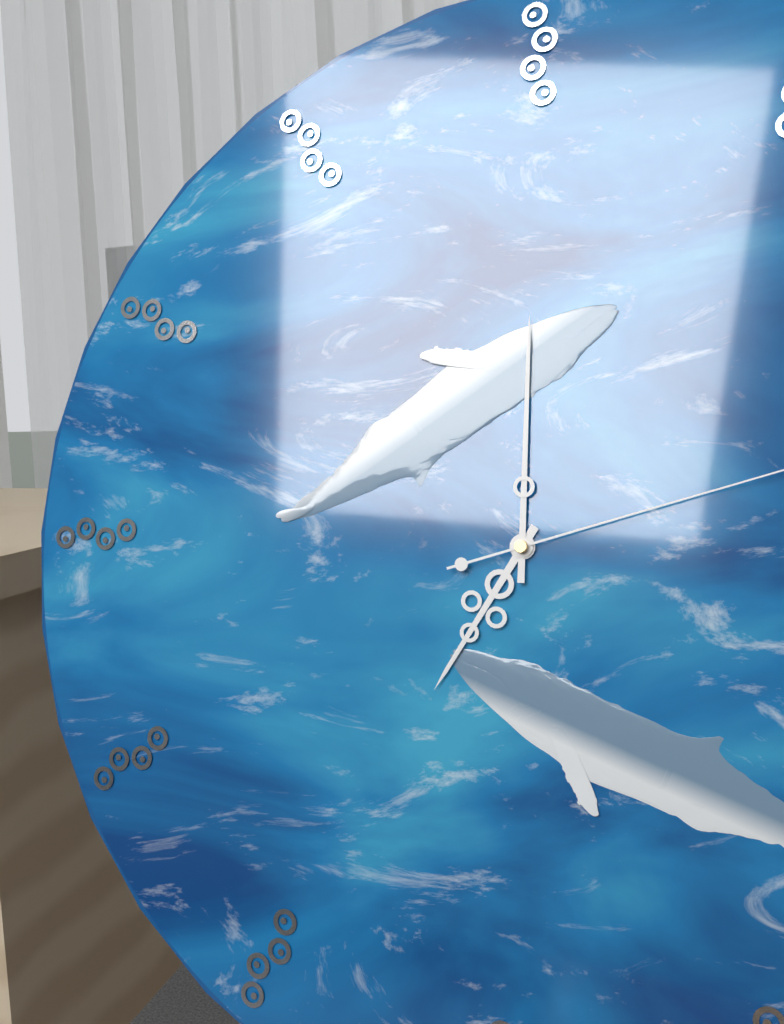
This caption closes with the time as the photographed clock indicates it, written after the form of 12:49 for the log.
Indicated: 7:00
